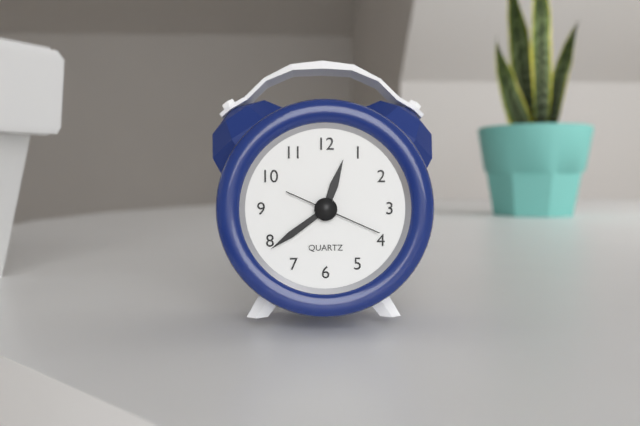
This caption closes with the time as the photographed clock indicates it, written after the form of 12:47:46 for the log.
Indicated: 12:39:19
